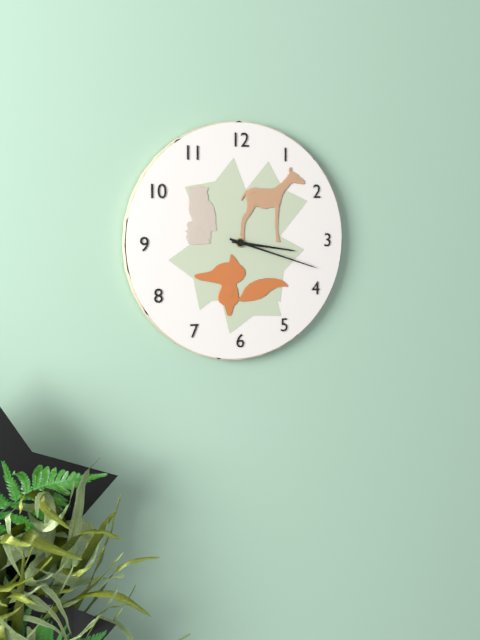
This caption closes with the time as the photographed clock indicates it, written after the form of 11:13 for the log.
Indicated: 3:18
